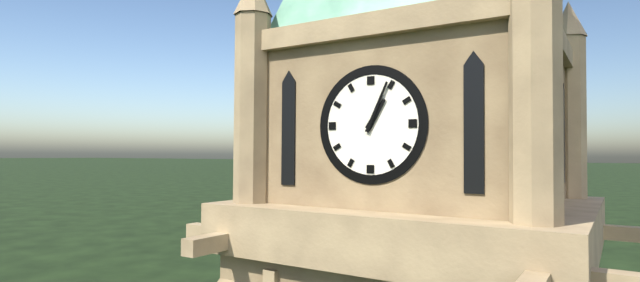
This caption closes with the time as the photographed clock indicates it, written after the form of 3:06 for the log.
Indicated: 1:04
